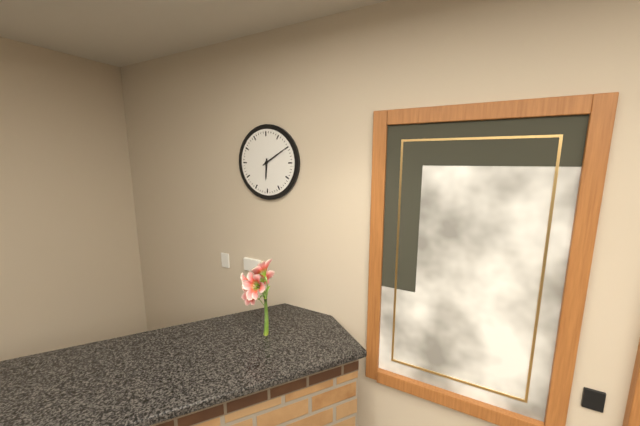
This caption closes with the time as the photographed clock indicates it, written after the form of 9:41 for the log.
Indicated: 6:10
